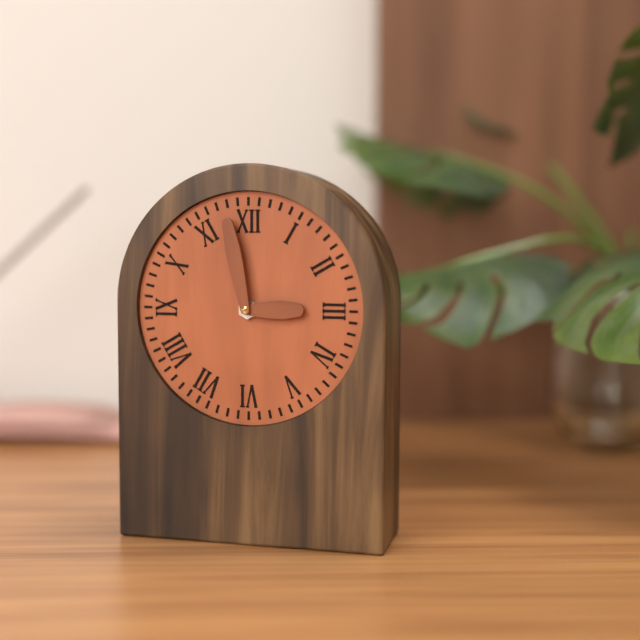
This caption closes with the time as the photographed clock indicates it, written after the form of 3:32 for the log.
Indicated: 2:58
